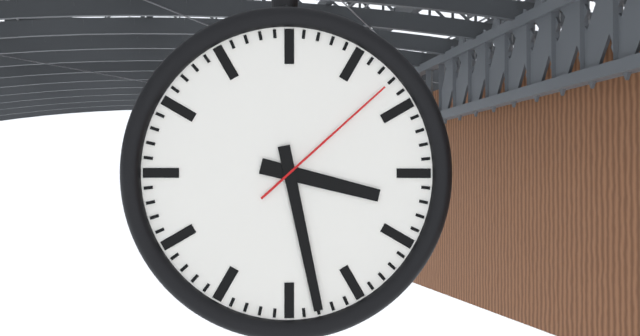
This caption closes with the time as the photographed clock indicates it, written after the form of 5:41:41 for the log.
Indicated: 3:28:08
